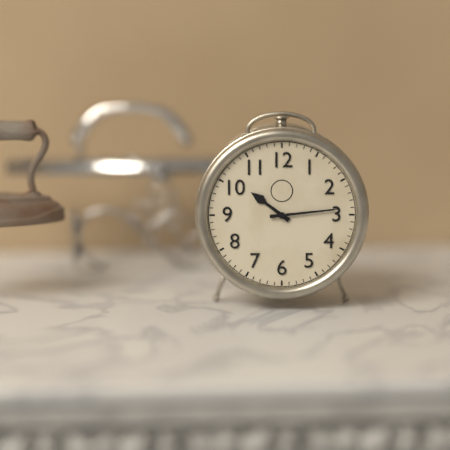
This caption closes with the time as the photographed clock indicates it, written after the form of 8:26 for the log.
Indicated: 10:14
